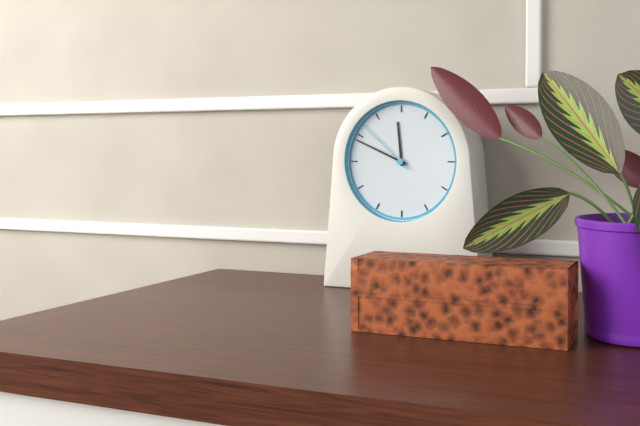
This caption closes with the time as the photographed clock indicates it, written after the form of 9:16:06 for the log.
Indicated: 11:49:52
